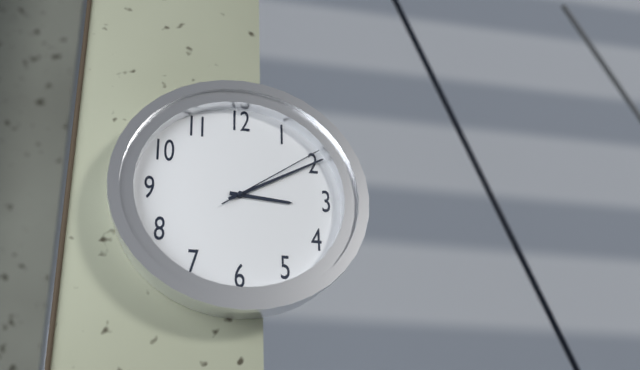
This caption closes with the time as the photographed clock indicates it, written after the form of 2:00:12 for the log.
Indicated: 3:10:09
